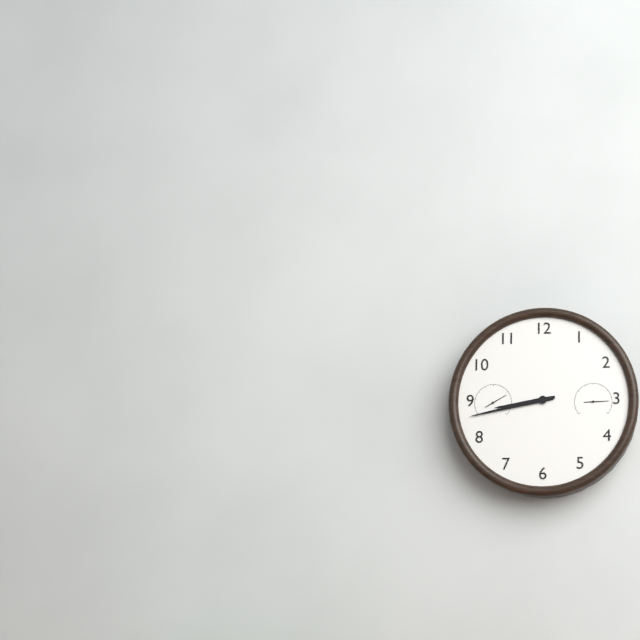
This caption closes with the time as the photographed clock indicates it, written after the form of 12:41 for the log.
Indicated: 8:43
